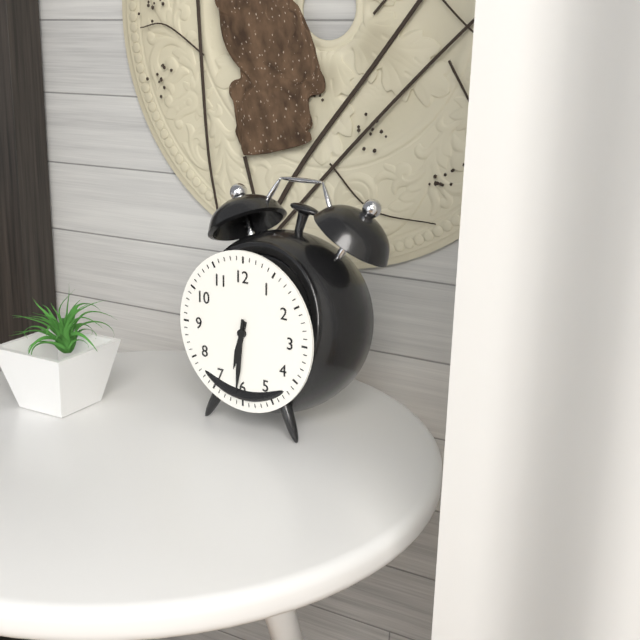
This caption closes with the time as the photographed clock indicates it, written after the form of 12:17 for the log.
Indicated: 6:31
